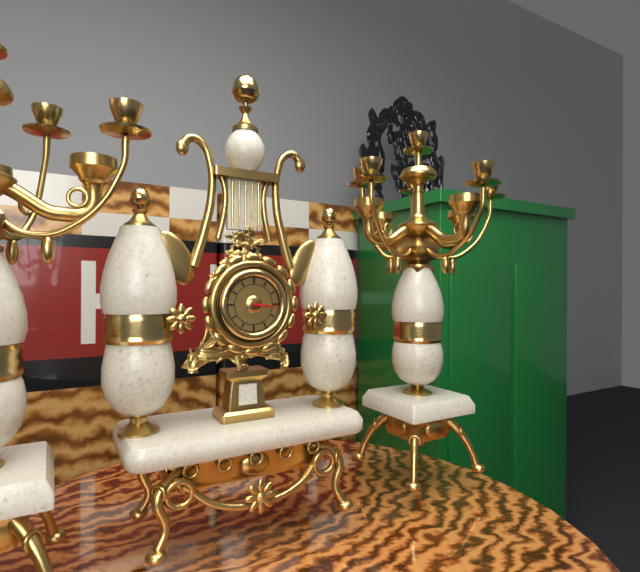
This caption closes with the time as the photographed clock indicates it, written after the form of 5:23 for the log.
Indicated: 3:16
